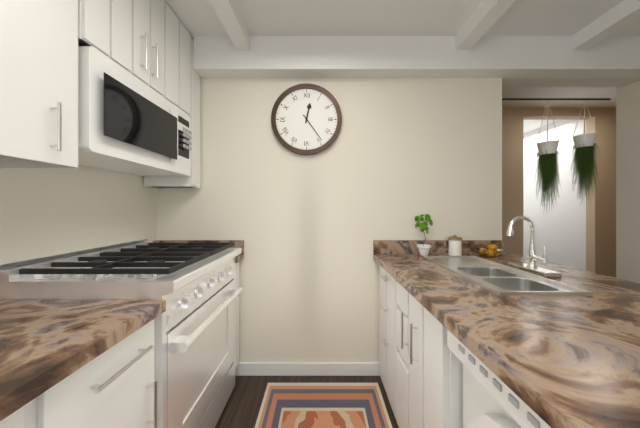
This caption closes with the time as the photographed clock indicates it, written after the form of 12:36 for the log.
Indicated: 12:24
